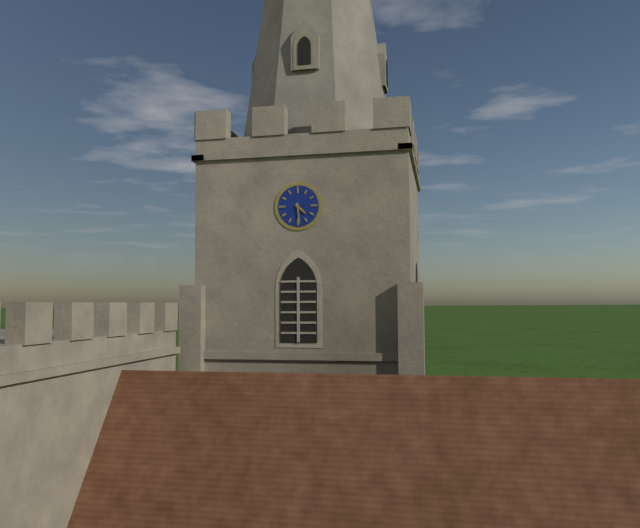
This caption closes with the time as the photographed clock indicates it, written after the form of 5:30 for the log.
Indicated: 4:29
